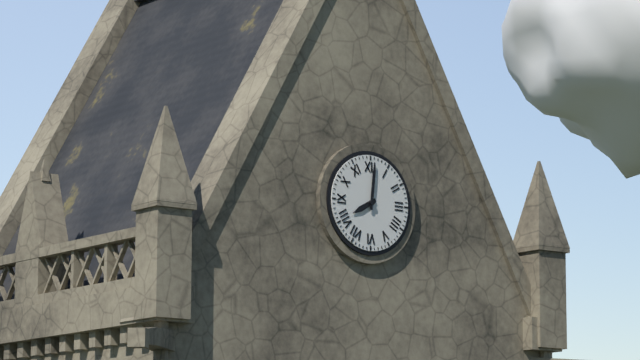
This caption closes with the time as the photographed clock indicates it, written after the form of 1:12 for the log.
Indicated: 8:01
